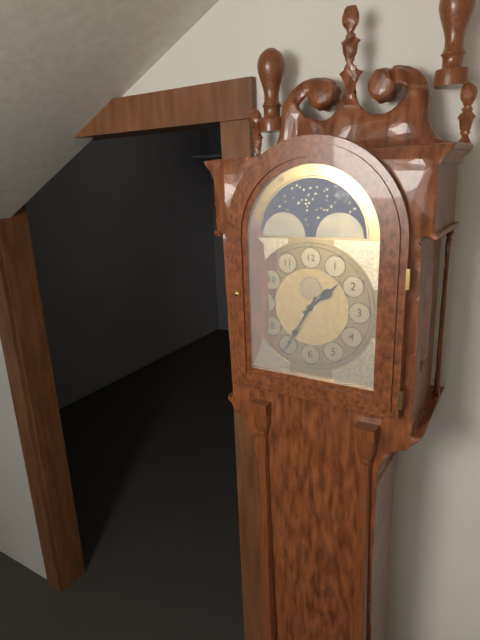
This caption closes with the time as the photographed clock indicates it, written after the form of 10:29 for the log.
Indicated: 1:35
